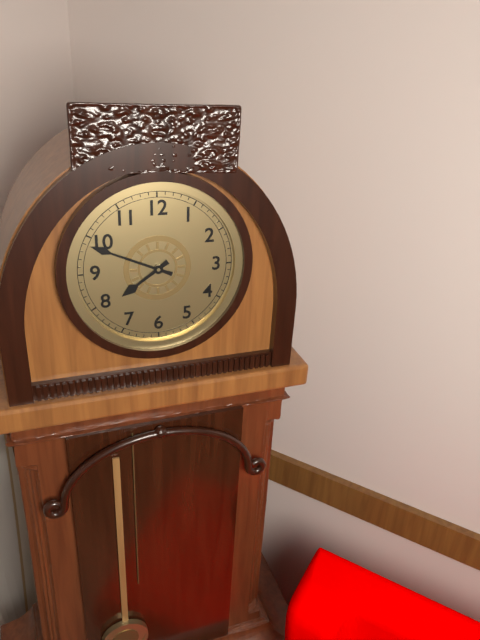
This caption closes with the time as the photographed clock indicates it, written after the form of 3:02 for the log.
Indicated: 7:49
